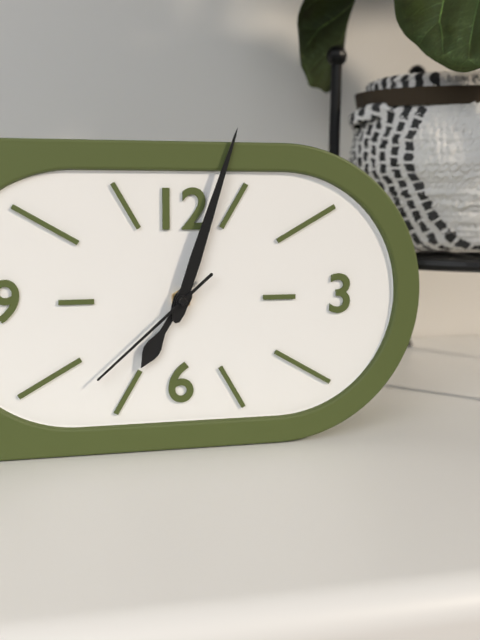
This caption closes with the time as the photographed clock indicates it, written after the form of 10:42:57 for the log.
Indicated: 7:03:38
